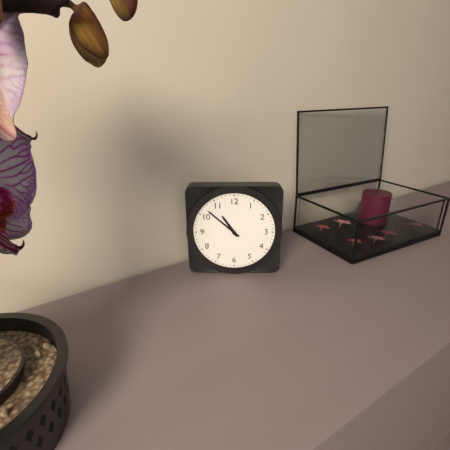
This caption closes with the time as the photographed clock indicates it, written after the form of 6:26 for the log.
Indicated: 10:52
